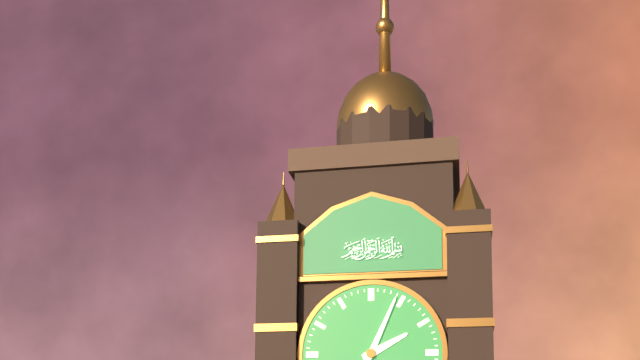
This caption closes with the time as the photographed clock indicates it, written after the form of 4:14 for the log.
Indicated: 2:04
